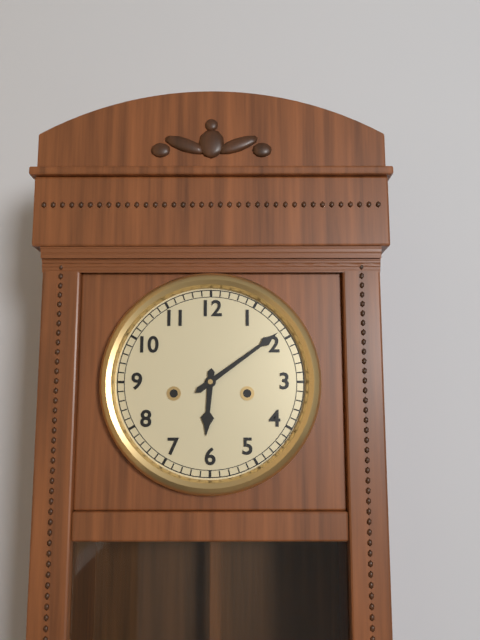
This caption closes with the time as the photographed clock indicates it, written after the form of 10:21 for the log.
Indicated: 6:09
